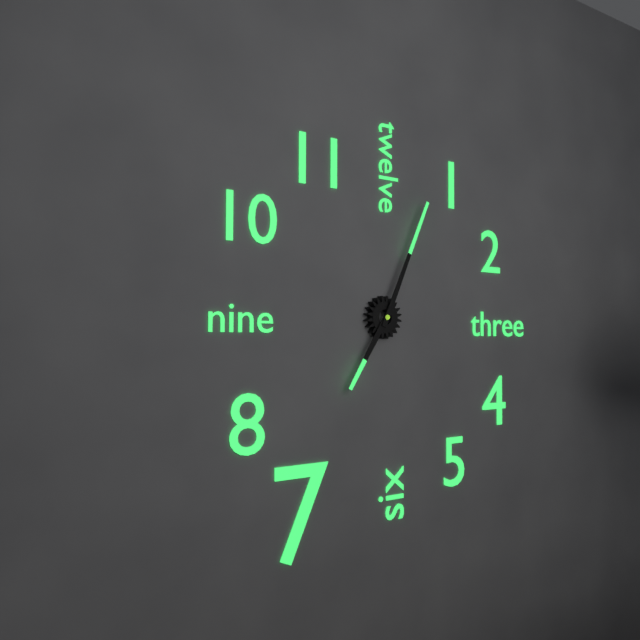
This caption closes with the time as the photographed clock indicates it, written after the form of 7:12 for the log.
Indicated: 7:04
